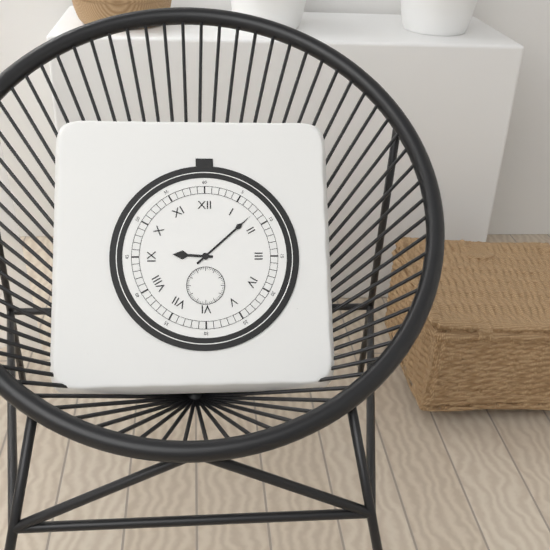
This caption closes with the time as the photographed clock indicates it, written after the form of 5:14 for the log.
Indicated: 9:08
